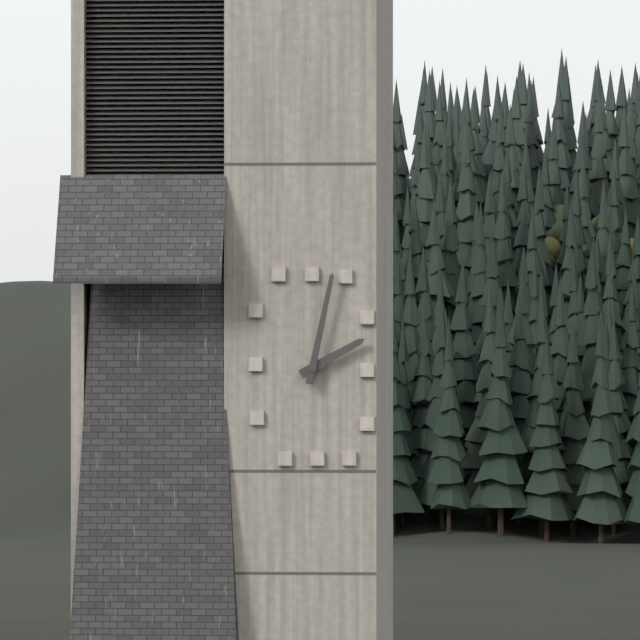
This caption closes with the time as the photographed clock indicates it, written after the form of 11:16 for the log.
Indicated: 2:02
